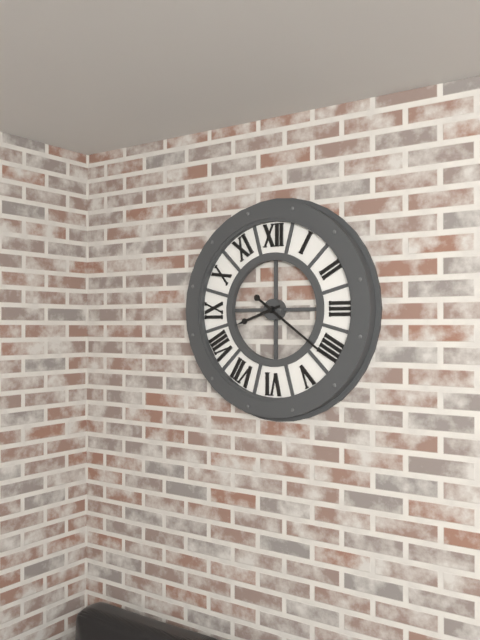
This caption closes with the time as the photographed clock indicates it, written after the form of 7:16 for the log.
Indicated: 8:21
